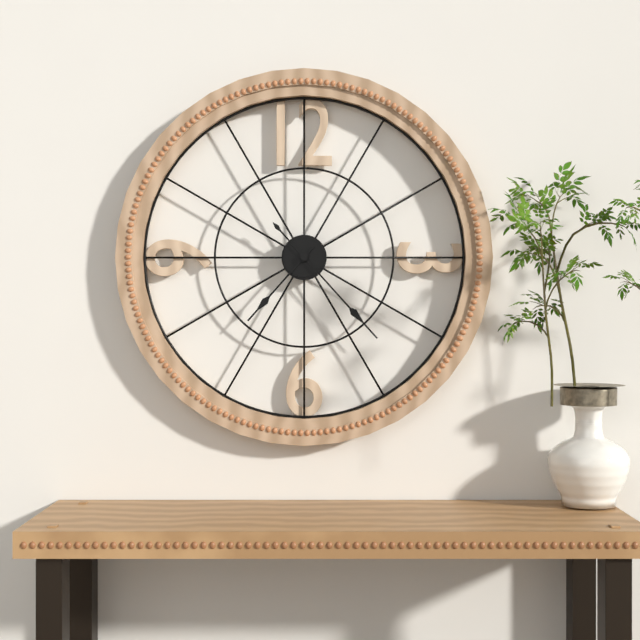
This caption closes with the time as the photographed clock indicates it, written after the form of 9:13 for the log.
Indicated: 7:23
